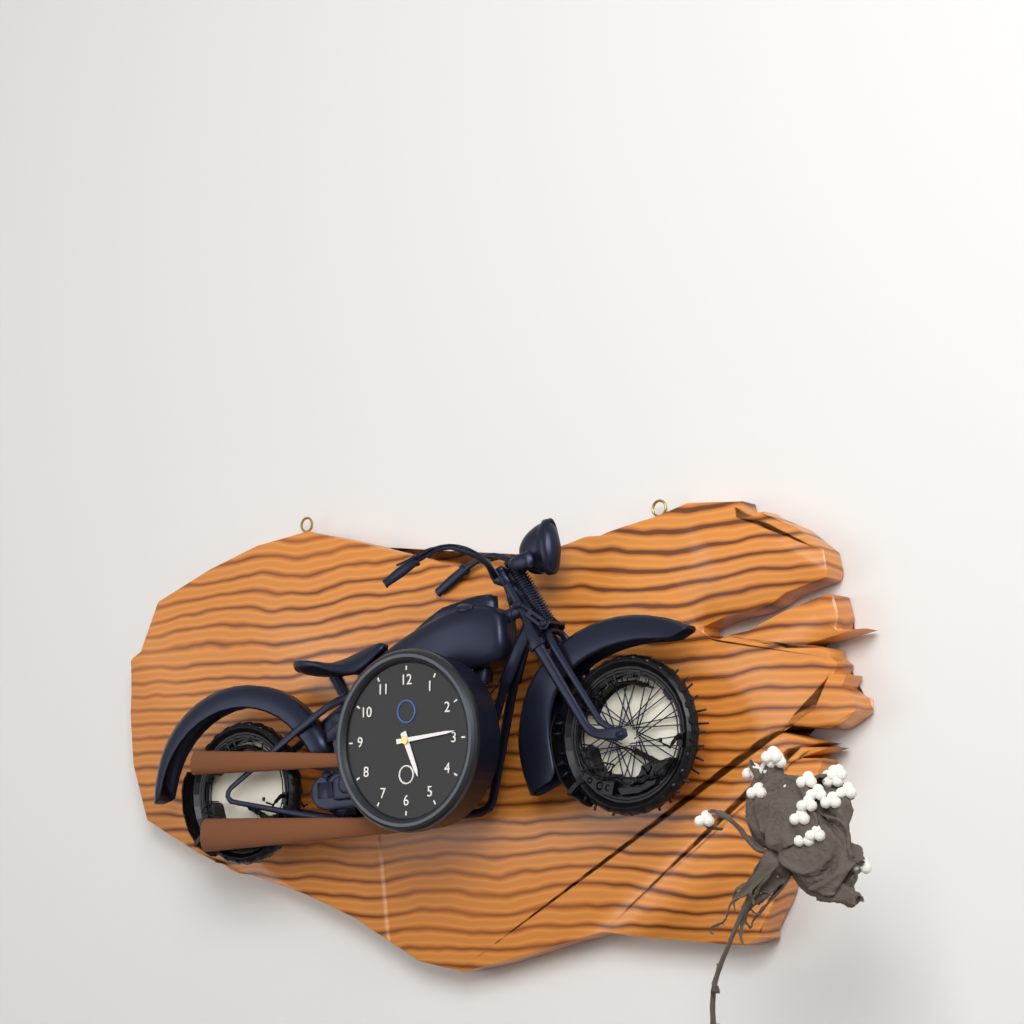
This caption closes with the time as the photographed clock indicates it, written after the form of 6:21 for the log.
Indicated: 5:14
